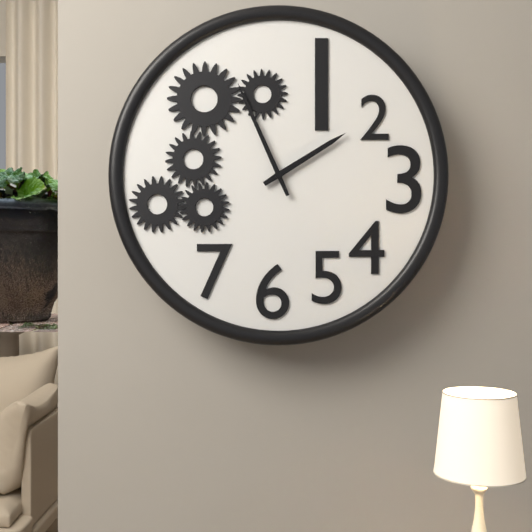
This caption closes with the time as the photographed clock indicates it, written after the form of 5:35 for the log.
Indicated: 1:56
